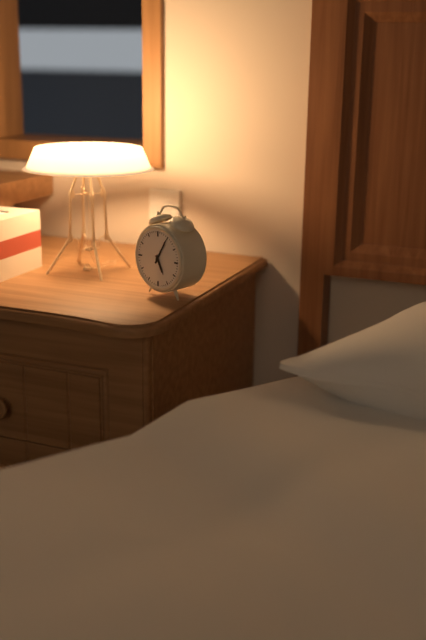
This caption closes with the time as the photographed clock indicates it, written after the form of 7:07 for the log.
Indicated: 5:05
